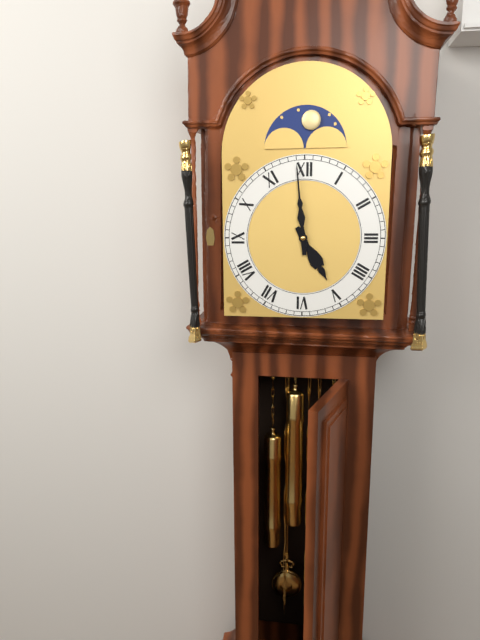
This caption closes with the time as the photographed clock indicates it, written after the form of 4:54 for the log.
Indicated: 4:59
